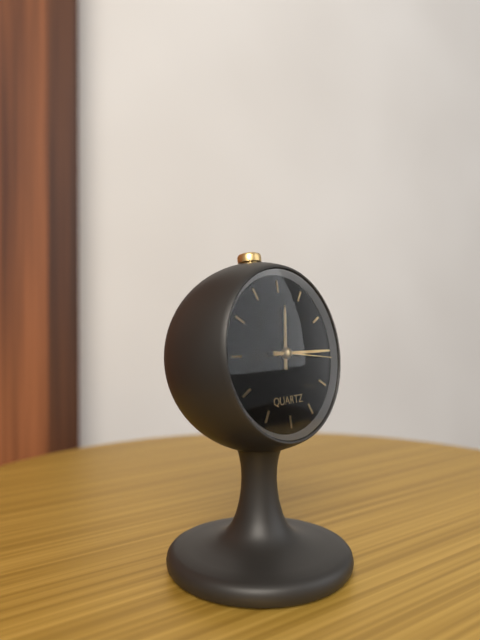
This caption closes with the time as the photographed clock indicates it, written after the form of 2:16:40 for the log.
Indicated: 12:15:16
